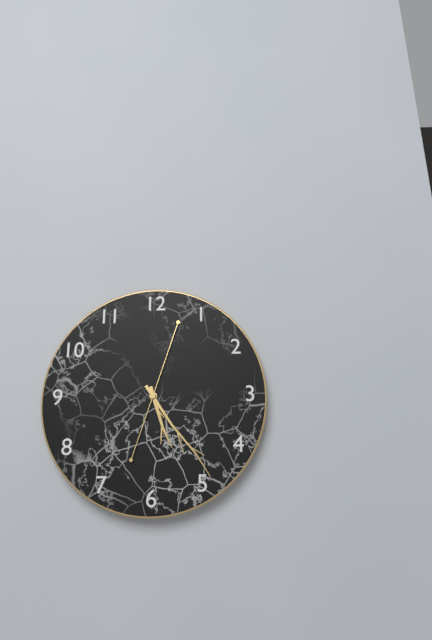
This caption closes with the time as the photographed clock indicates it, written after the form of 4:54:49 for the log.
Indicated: 5:24:03
